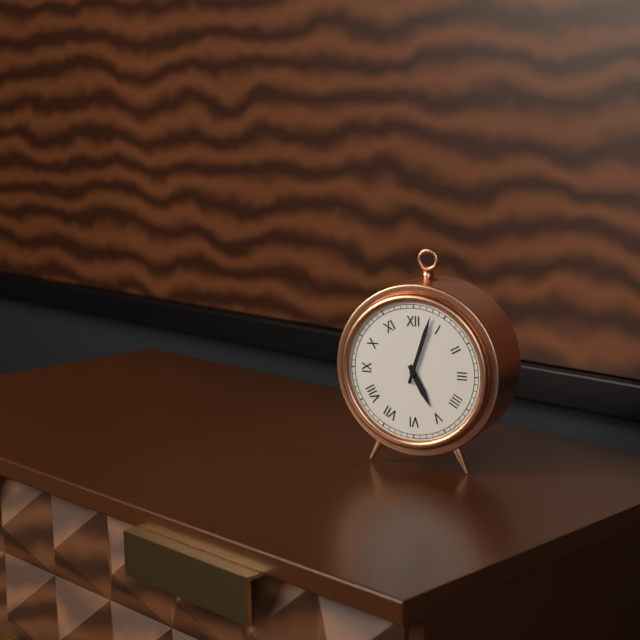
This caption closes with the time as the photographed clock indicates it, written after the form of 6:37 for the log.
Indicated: 5:03
